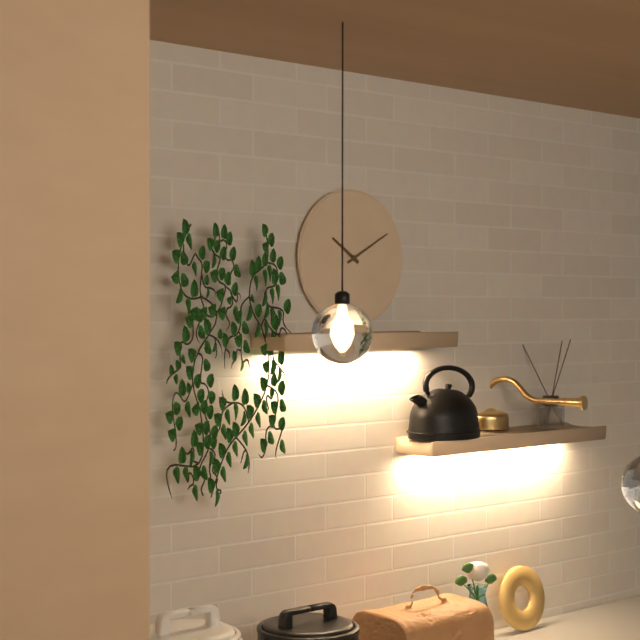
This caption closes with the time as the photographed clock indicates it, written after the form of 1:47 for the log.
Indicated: 10:10
